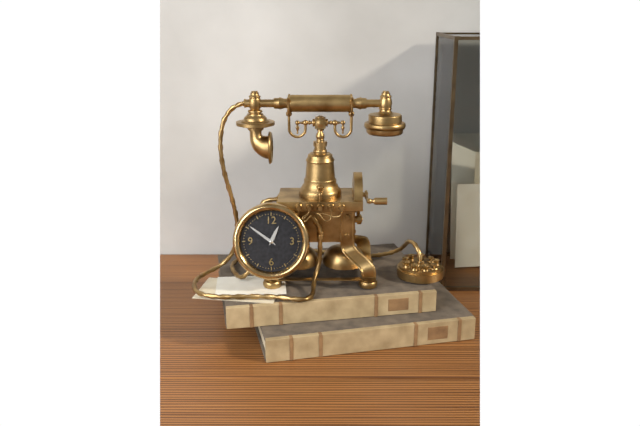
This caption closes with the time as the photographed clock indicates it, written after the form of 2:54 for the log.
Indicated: 12:51
